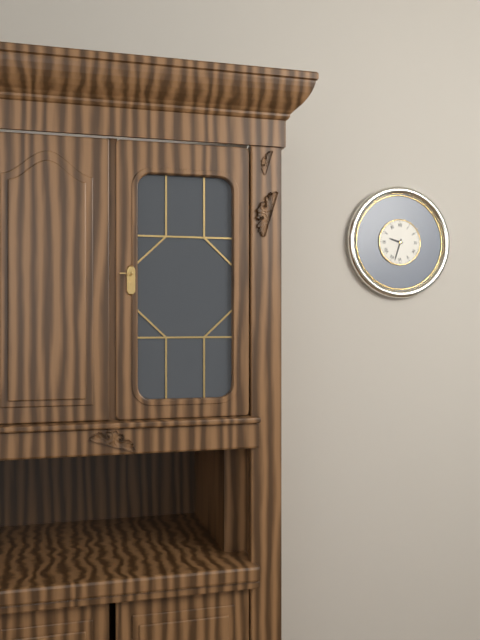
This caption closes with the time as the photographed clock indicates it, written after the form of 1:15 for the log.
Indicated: 9:33
